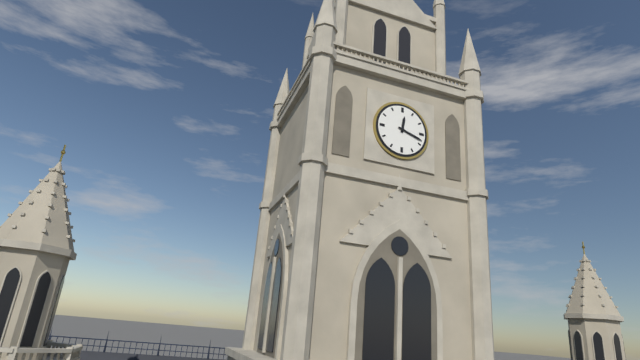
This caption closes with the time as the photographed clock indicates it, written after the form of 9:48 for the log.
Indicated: 12:18
